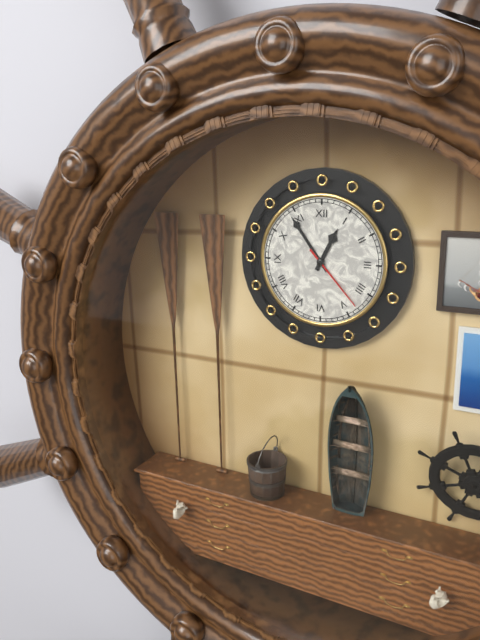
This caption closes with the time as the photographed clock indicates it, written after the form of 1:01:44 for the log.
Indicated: 12:54:23
